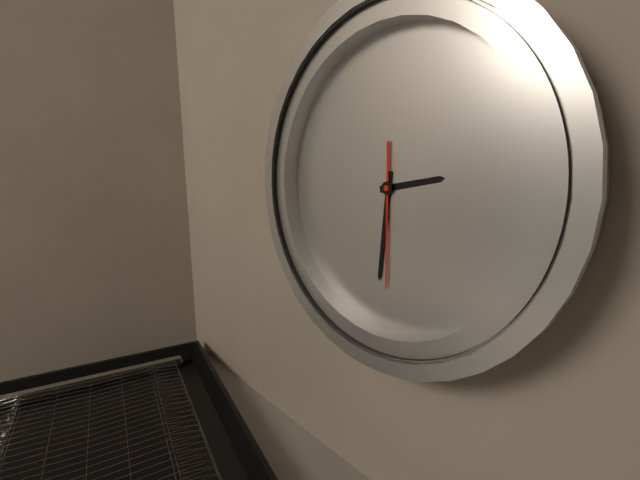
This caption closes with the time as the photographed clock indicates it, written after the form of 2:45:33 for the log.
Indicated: 2:30:29
